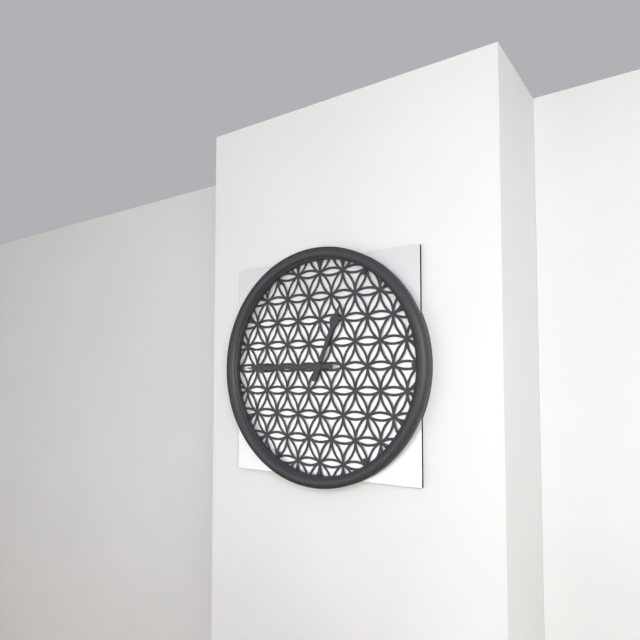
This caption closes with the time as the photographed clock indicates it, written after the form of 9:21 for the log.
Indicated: 12:45
